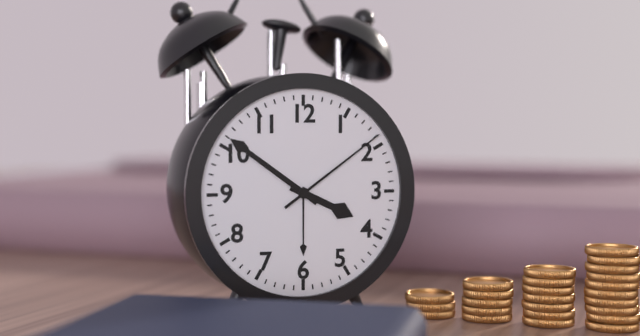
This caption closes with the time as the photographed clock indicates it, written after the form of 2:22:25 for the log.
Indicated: 3:51:09
